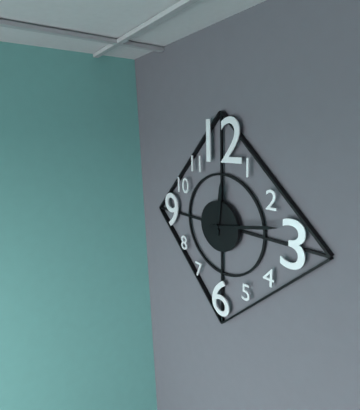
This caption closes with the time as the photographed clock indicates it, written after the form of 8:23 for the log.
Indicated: 12:13
